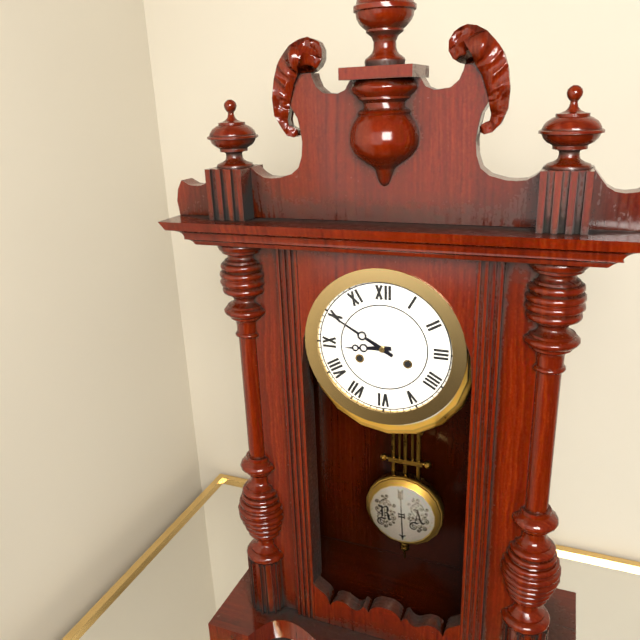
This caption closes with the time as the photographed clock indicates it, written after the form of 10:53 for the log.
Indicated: 8:50
